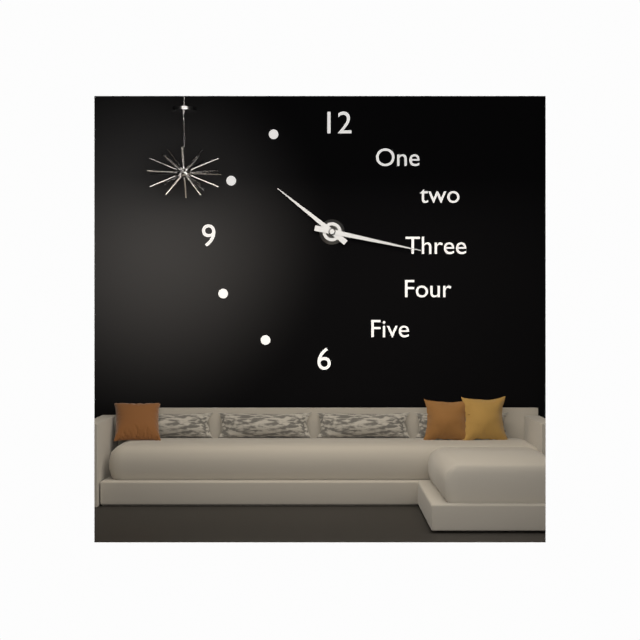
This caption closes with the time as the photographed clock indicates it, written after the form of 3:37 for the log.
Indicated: 10:17
